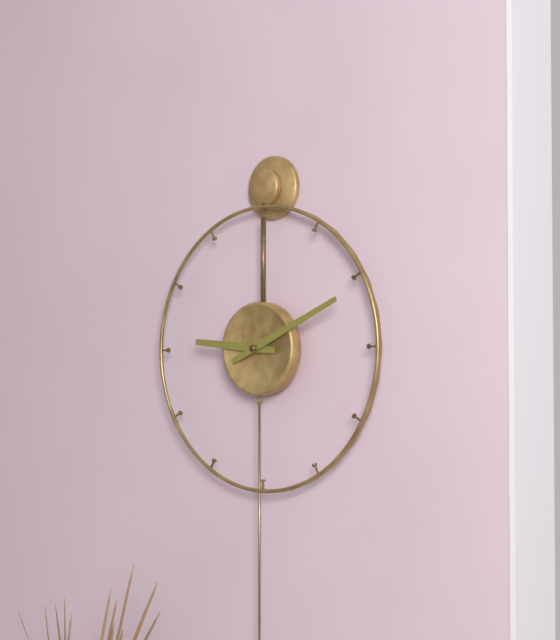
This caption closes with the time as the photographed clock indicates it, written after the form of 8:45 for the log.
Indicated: 9:11
